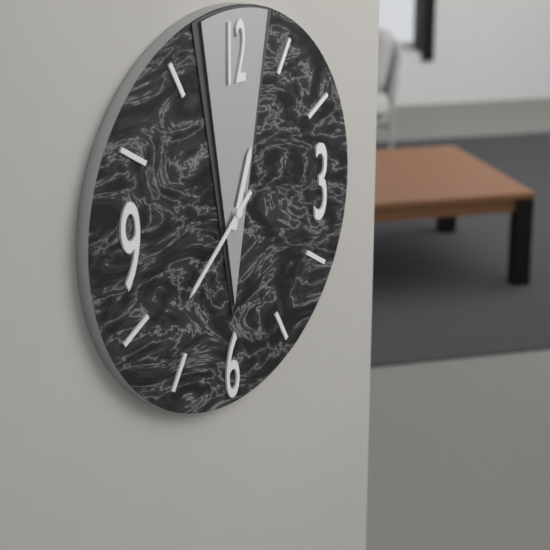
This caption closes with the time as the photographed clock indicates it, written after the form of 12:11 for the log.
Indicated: 12:38
